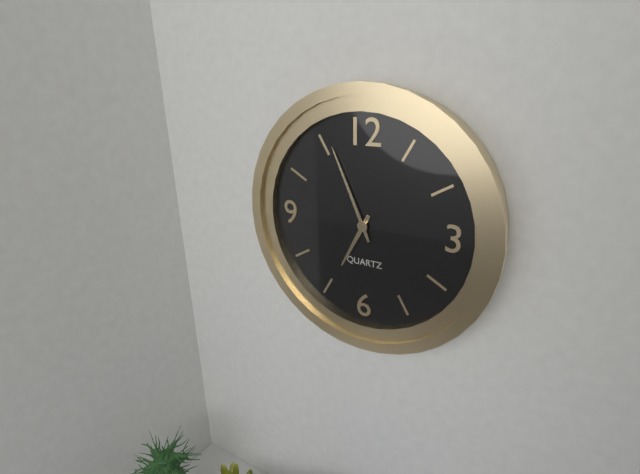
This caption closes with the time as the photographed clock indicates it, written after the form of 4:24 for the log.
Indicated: 6:56
